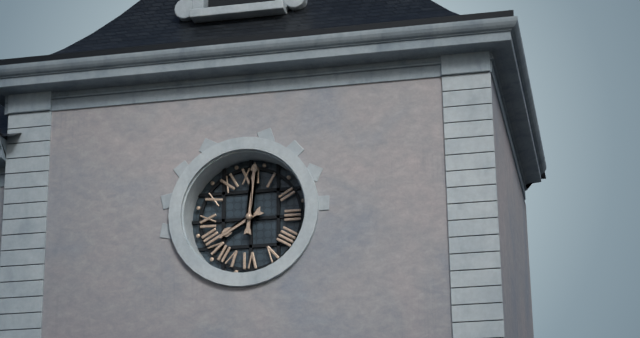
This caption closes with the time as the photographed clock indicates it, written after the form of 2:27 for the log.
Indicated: 8:01
